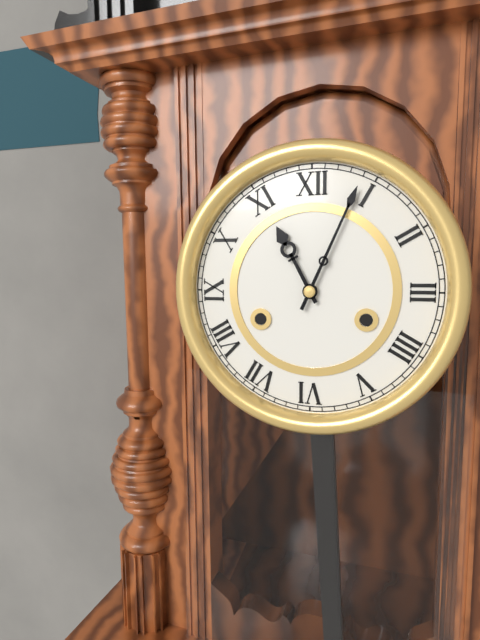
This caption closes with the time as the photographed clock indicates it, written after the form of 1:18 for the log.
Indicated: 11:04
